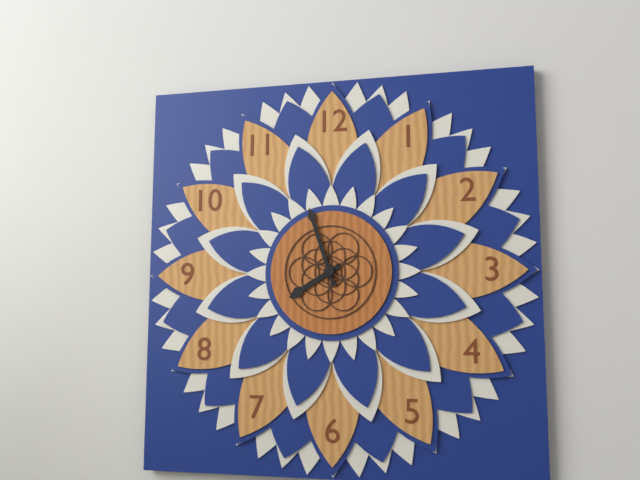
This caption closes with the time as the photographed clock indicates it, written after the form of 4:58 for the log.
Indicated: 7:57
